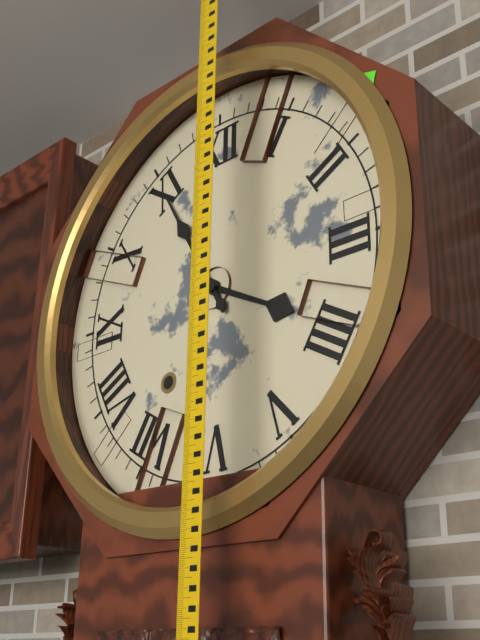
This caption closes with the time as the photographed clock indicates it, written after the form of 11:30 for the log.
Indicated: 3:55
